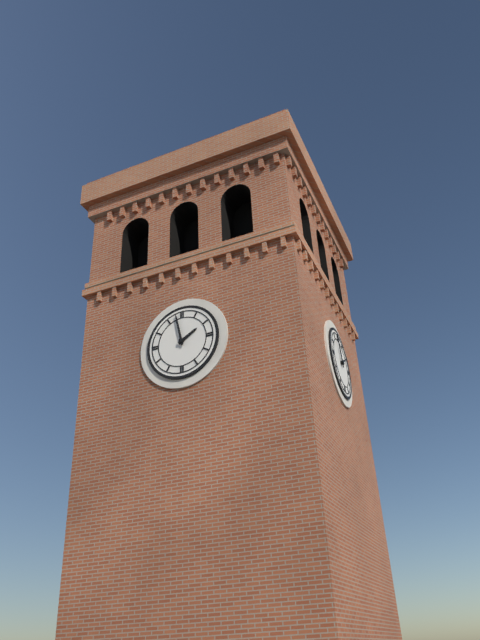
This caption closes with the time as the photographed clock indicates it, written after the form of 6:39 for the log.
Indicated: 1:58
